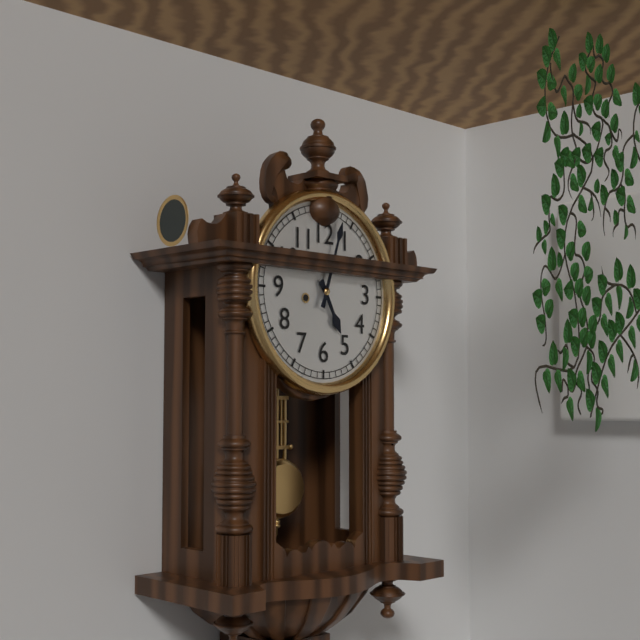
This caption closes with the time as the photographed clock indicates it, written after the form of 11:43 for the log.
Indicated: 5:03
